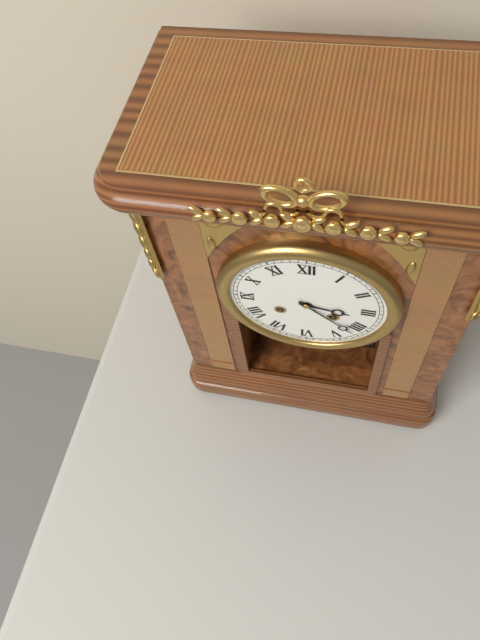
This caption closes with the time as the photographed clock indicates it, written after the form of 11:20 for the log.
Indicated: 3:22
